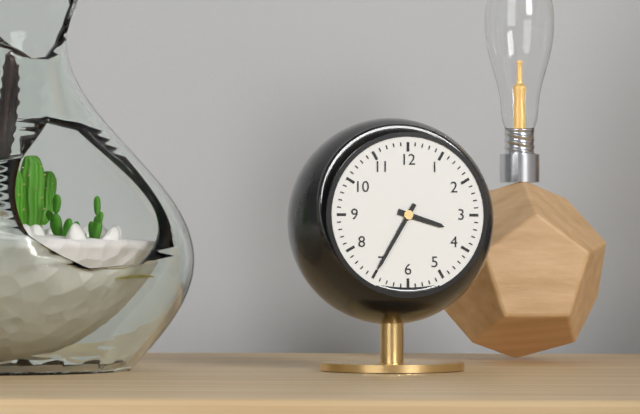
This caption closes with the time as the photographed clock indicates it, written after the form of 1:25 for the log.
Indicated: 3:35
